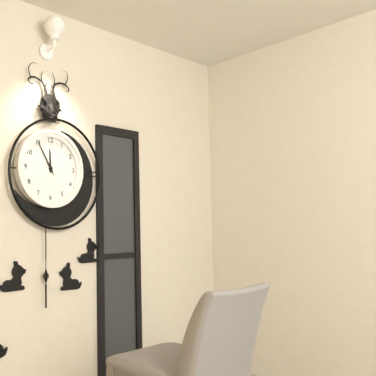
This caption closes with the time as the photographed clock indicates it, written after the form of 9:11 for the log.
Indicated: 11:55
